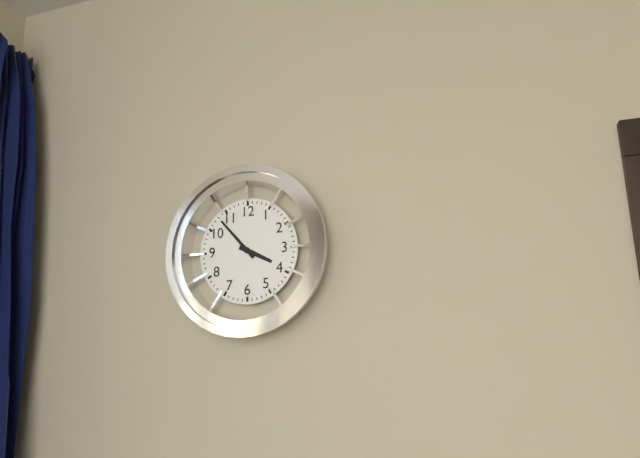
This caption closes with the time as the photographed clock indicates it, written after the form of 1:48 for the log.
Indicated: 3:53
